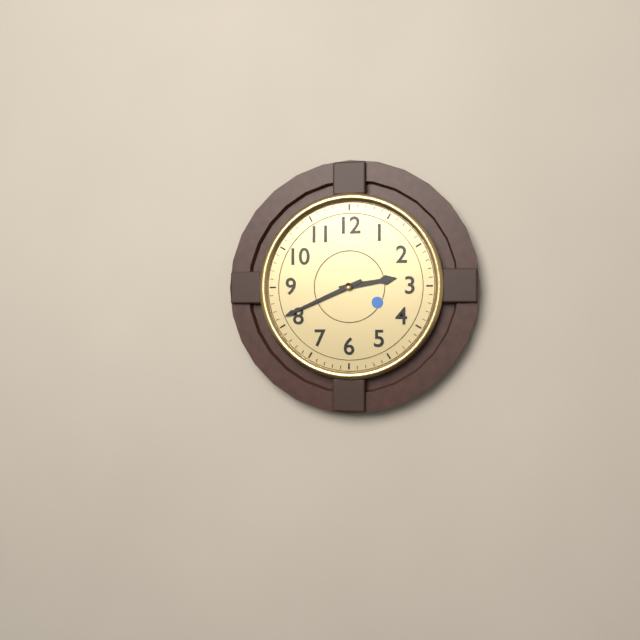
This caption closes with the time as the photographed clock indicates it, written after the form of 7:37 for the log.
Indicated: 2:41
